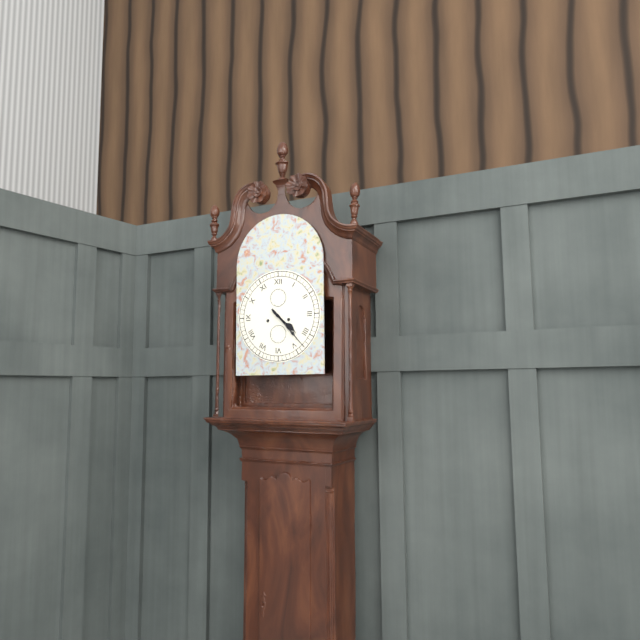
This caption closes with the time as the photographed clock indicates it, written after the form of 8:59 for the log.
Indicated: 4:23
